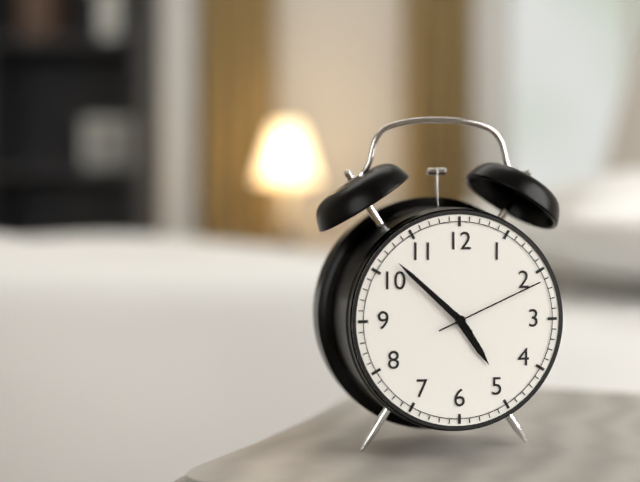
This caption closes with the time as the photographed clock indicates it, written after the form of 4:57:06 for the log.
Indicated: 4:52:11
